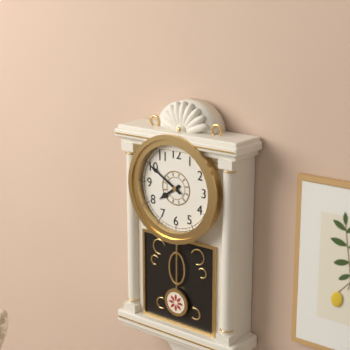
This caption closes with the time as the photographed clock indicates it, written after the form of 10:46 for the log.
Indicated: 7:50
